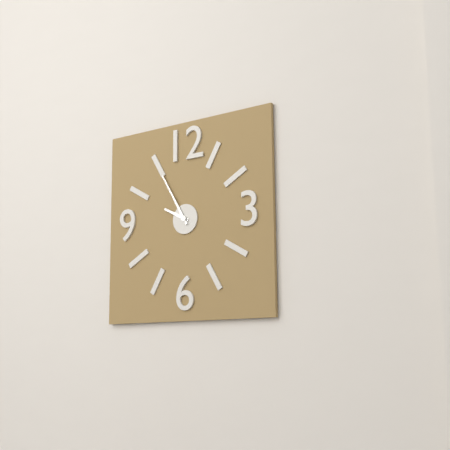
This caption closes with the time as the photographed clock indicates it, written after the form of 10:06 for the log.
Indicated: 9:55
